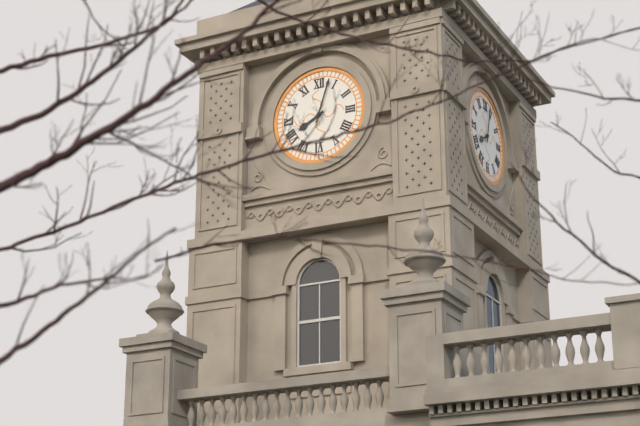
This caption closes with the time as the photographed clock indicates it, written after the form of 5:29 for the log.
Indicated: 8:03
